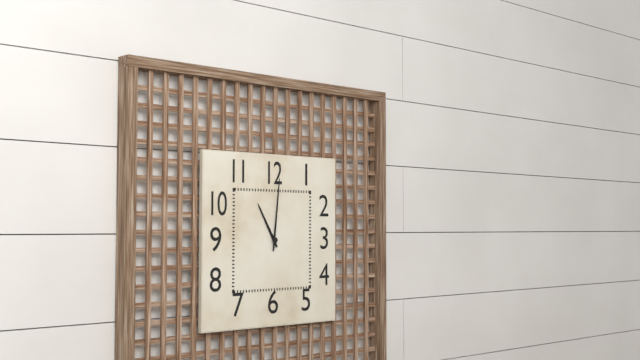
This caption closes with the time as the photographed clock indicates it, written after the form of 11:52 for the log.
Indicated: 11:01
